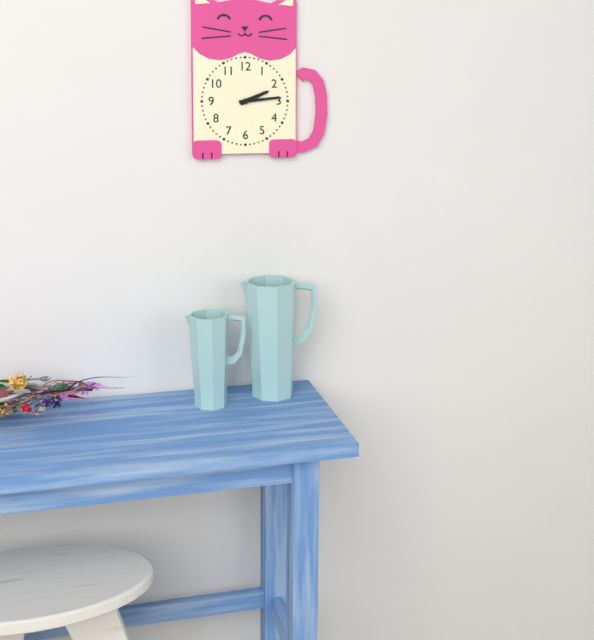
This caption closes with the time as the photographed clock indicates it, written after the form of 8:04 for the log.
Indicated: 2:14
